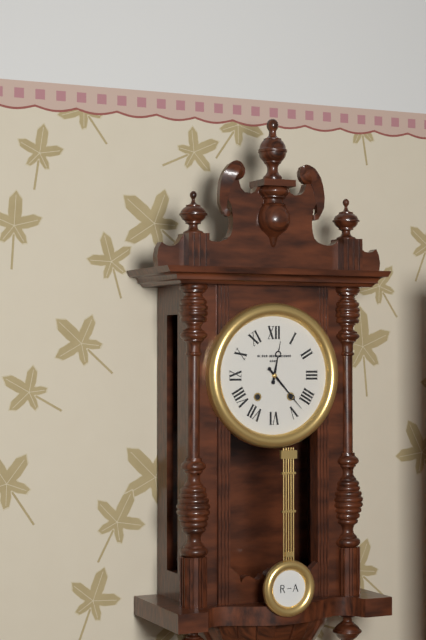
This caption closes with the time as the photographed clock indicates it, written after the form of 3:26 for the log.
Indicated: 12:23
